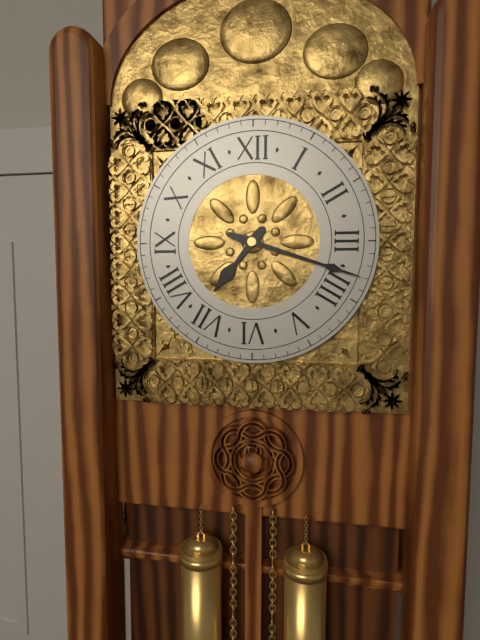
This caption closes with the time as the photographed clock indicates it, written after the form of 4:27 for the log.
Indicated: 7:18
